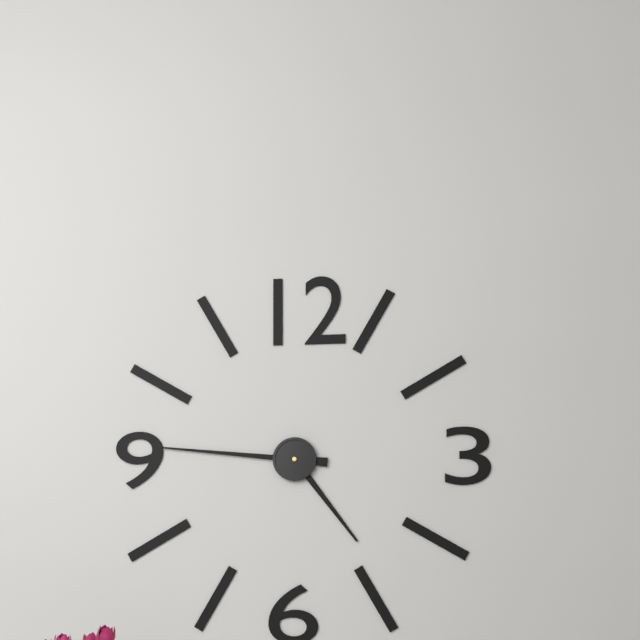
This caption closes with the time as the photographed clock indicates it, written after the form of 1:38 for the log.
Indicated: 4:46
